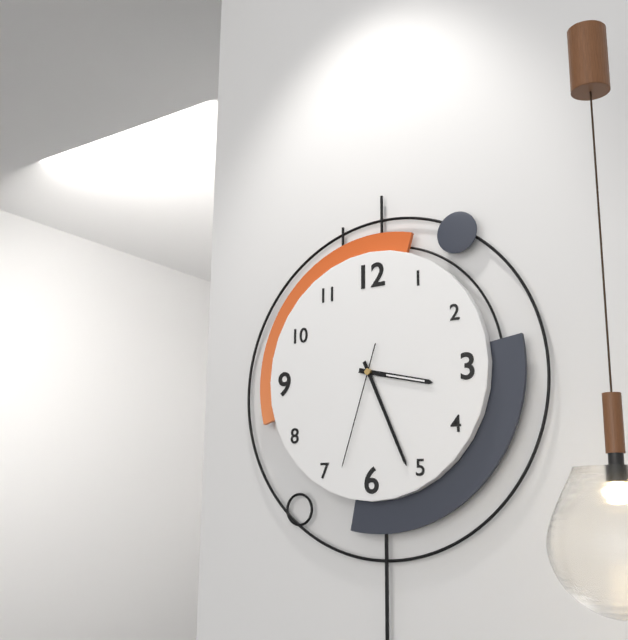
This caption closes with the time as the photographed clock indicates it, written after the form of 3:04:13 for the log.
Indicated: 3:26:33
